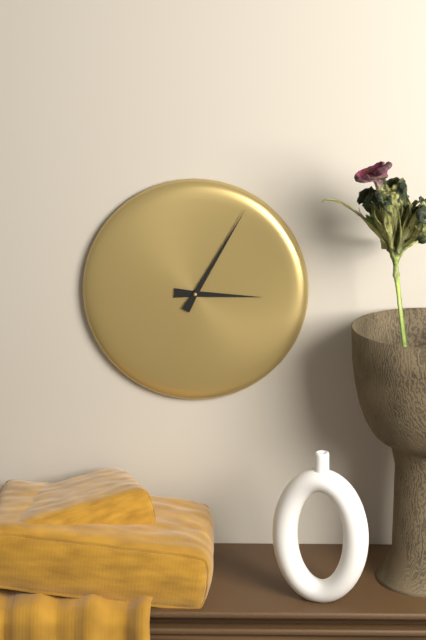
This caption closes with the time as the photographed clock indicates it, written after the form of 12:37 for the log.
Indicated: 3:05
